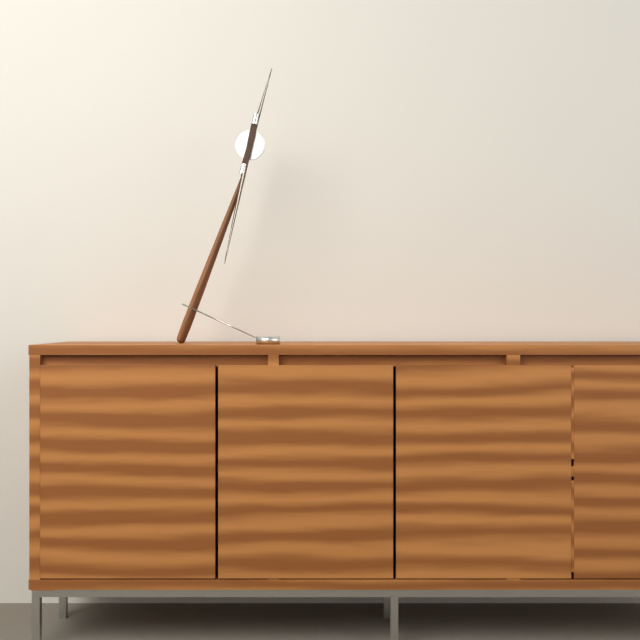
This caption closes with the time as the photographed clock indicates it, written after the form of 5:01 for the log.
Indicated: 12:32
